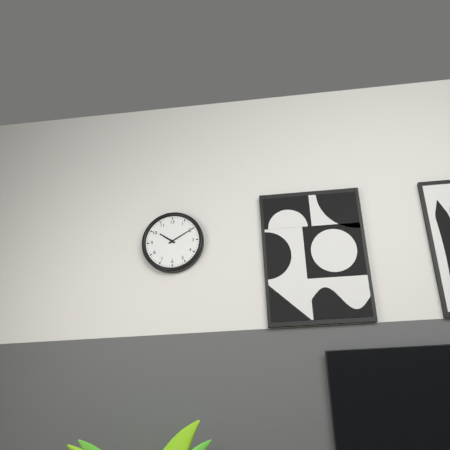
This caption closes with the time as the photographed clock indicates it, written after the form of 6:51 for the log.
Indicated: 10:10
